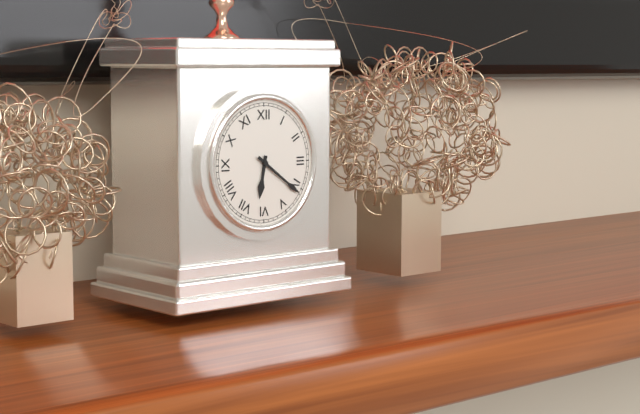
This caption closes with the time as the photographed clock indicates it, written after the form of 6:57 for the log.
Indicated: 6:21
